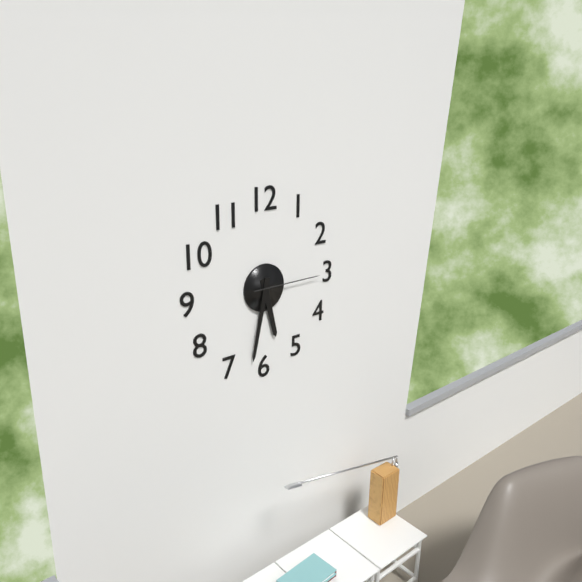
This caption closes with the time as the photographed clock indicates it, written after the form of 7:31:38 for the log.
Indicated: 5:32:15
